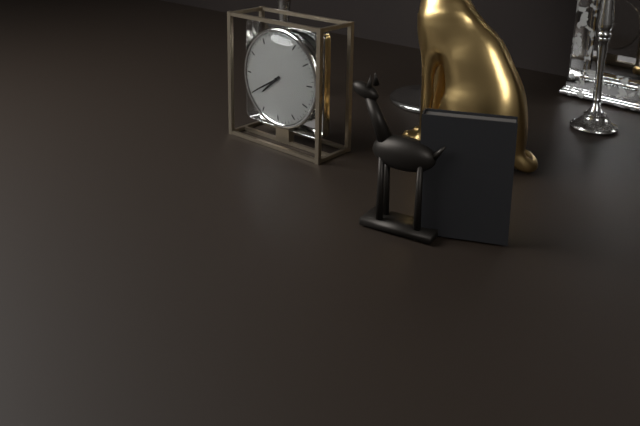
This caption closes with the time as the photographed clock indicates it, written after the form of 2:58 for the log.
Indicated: 7:40
